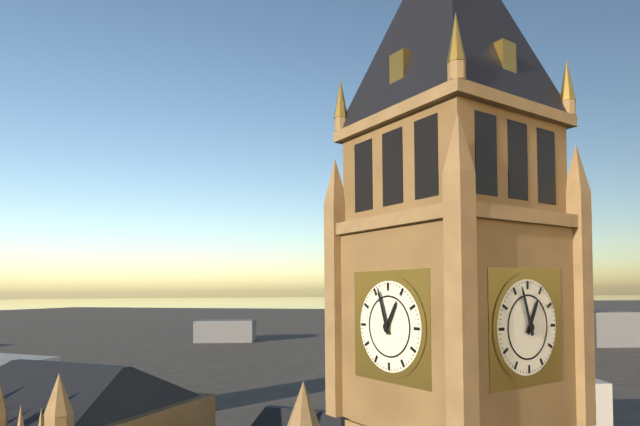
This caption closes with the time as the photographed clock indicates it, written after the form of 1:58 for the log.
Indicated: 12:57
